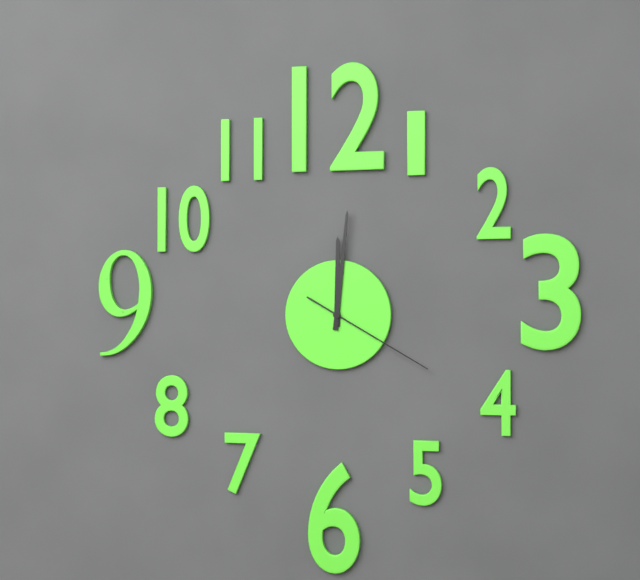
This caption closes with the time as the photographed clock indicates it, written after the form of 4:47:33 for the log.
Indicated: 12:01:20
